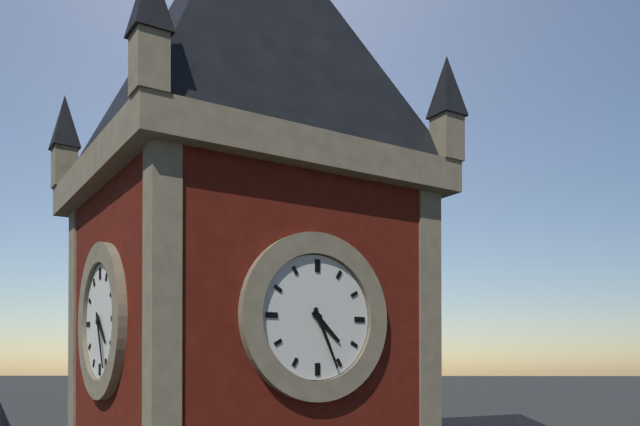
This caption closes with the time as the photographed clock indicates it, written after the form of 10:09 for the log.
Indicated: 4:26
